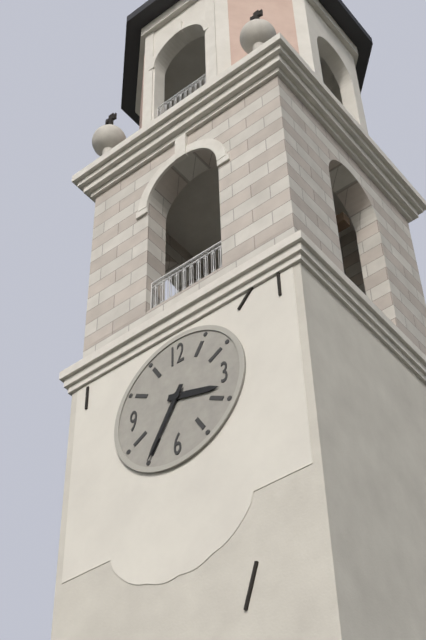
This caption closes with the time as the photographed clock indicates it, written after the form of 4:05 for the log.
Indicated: 3:35
